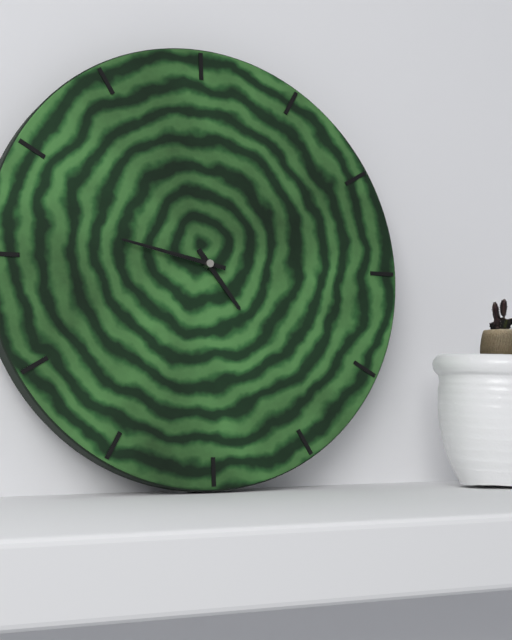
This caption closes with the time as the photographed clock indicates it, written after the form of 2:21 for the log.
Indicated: 4:47
